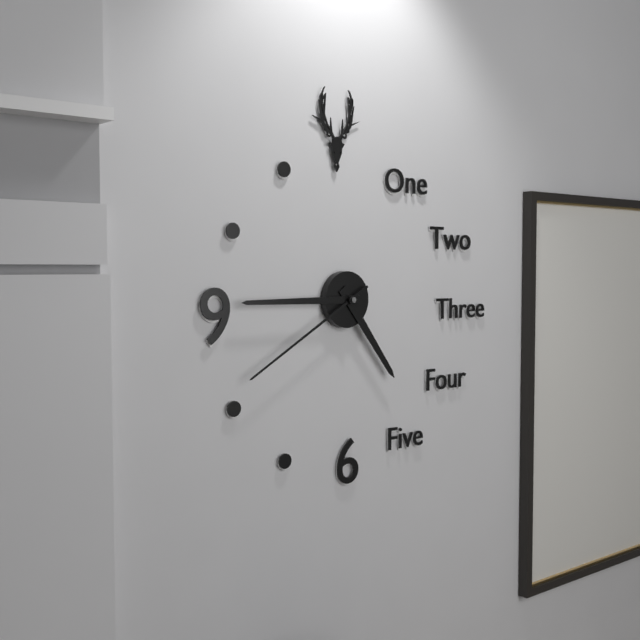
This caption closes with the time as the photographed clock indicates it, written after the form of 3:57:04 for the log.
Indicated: 4:45:40
